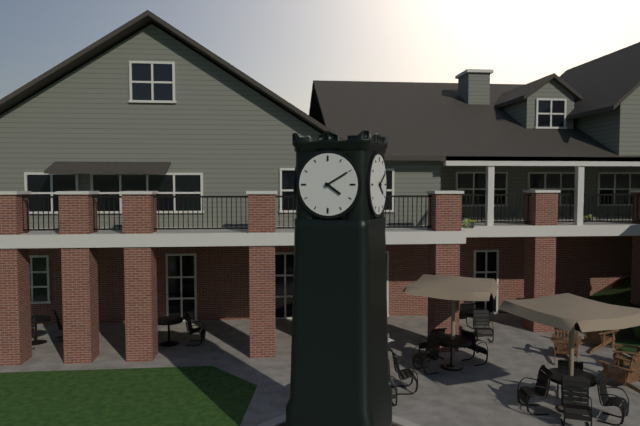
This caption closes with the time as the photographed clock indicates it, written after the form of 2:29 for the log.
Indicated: 4:10
